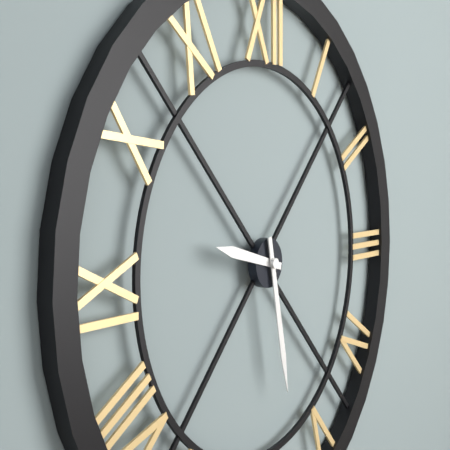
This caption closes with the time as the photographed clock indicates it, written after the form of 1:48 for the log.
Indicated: 9:28
